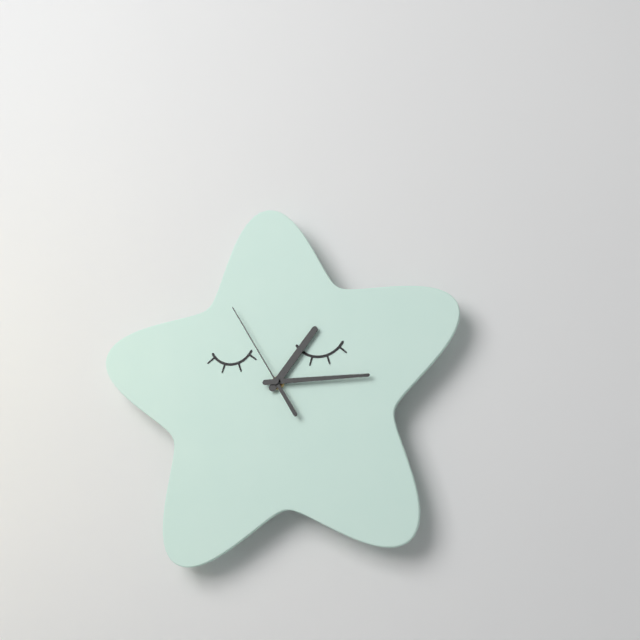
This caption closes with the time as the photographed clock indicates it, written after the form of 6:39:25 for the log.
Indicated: 1:15:55
